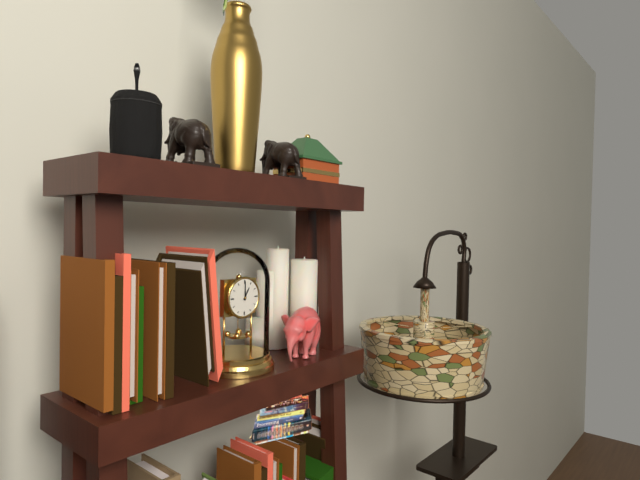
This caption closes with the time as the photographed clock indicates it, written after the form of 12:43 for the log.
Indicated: 1:00
